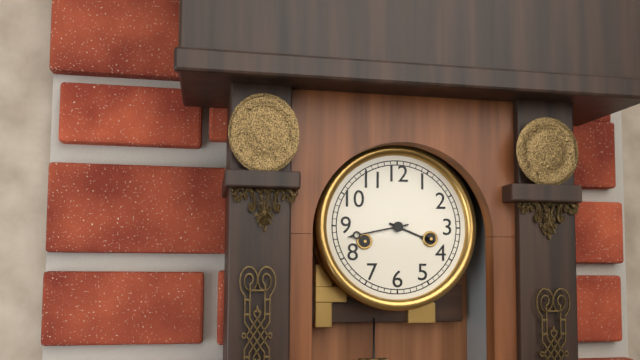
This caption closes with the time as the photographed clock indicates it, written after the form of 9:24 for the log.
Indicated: 3:43
